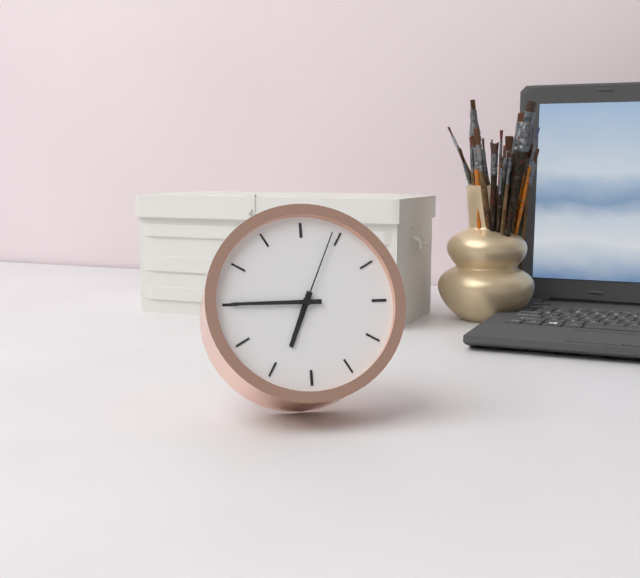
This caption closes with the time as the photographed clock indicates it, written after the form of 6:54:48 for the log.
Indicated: 6:45:04
